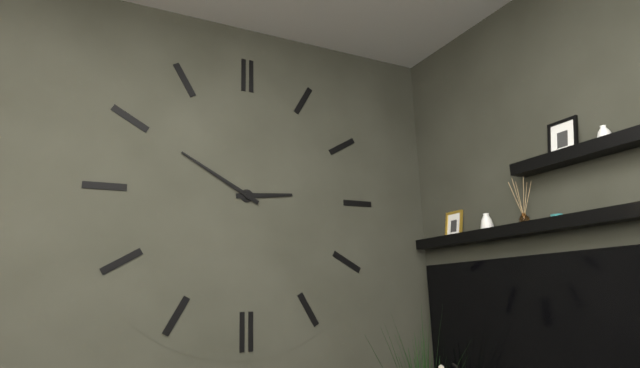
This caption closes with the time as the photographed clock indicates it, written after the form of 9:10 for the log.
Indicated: 2:50
